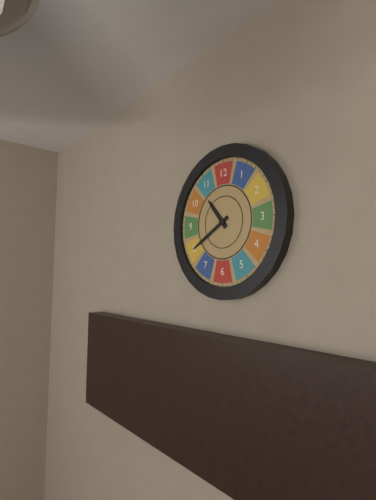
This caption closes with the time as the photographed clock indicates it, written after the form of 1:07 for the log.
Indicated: 10:40
